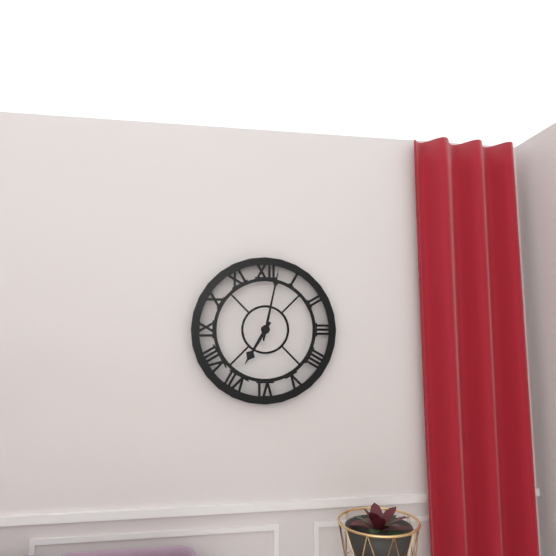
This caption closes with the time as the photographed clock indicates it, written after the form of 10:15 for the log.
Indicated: 7:02
